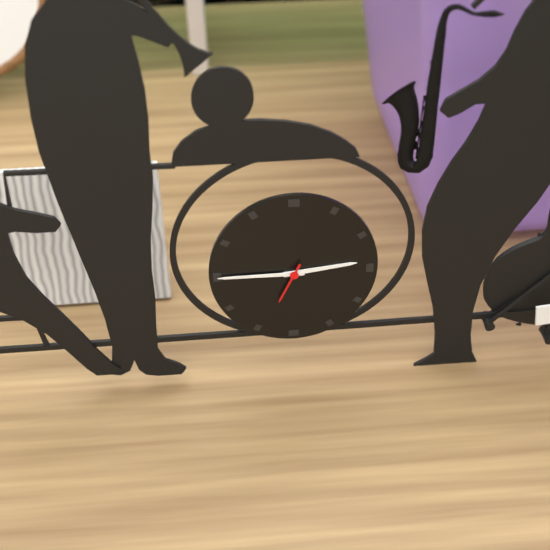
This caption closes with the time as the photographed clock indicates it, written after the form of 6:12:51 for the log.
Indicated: 2:45:34
